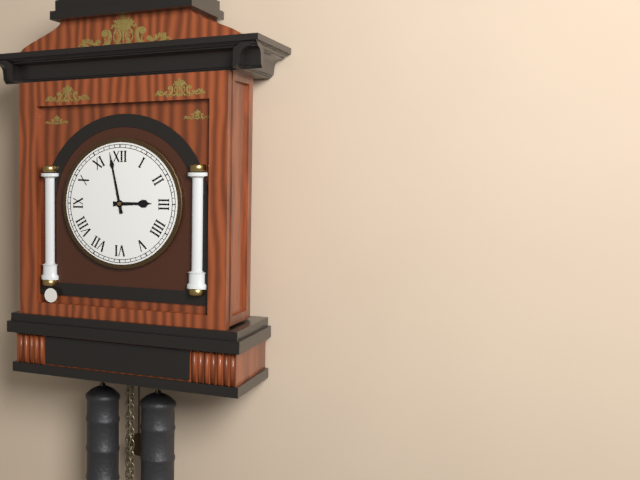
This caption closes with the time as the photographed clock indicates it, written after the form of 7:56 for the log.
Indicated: 2:58
